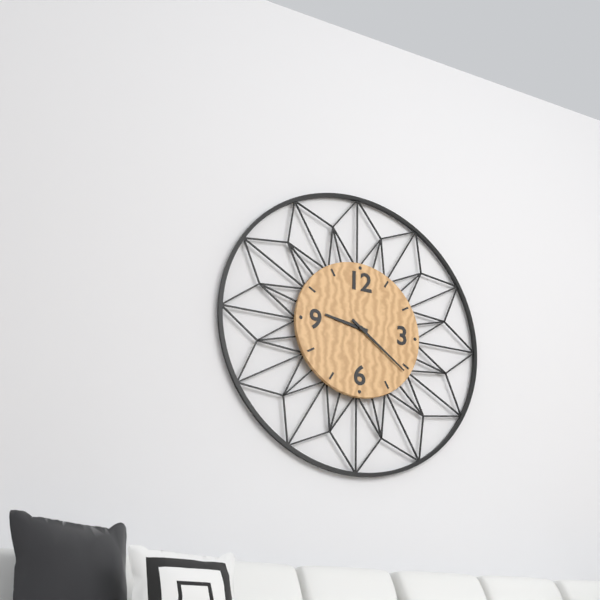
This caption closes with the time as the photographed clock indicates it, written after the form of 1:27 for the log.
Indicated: 9:21
